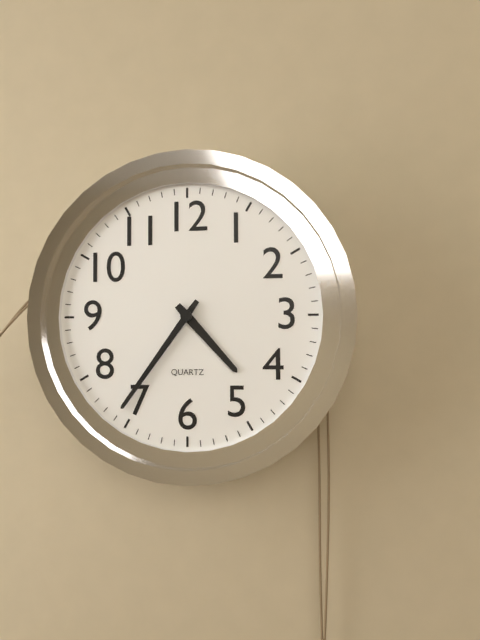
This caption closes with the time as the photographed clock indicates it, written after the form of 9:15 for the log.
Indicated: 4:36
